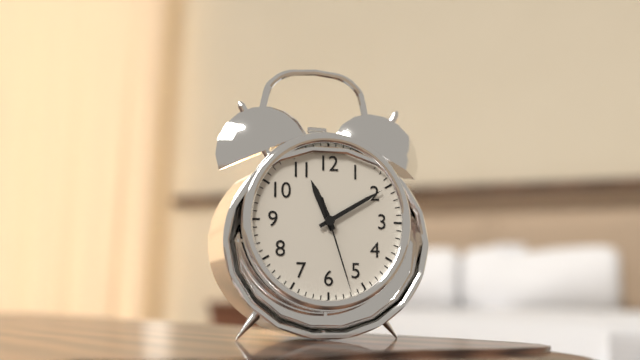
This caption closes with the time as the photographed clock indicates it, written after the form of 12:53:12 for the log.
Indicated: 11:10:27
